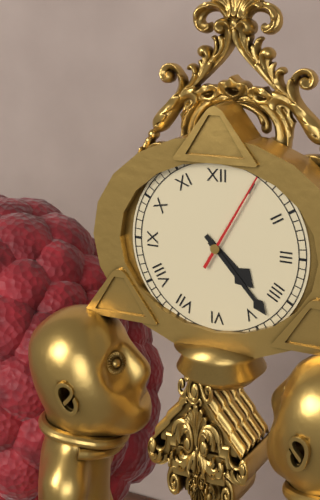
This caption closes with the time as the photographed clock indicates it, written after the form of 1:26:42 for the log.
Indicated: 4:23:05
